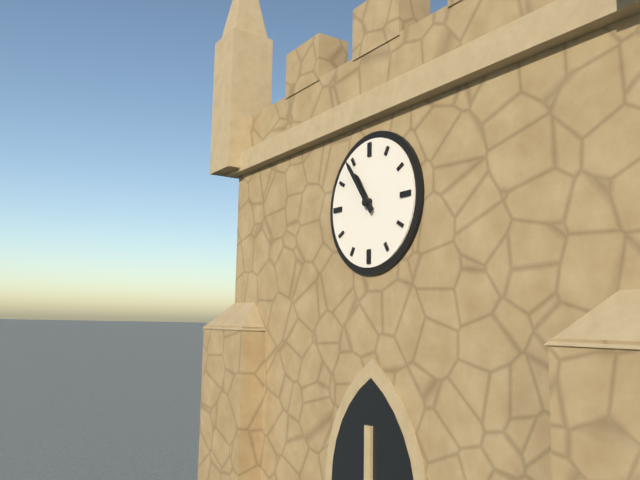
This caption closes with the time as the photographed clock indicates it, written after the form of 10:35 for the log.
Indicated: 10:54
